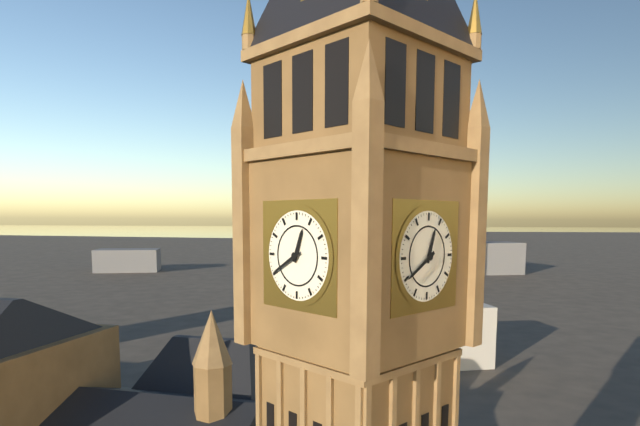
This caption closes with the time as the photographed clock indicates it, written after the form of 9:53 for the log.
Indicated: 12:40
